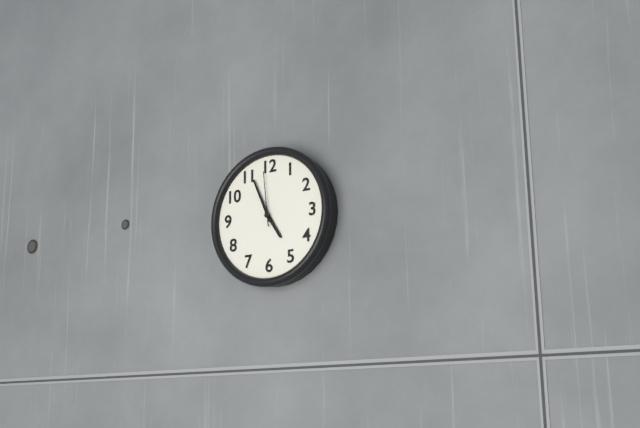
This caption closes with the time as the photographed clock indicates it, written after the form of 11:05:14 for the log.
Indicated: 4:56:59
